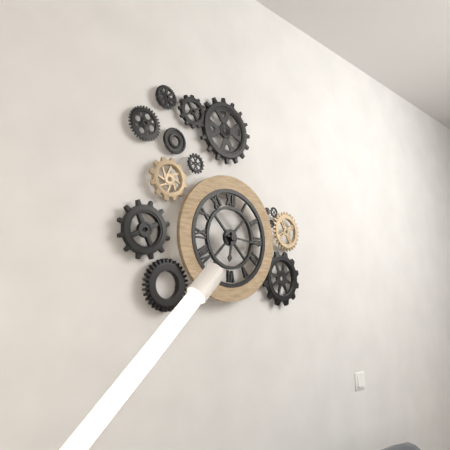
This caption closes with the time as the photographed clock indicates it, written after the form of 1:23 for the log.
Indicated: 6:16
